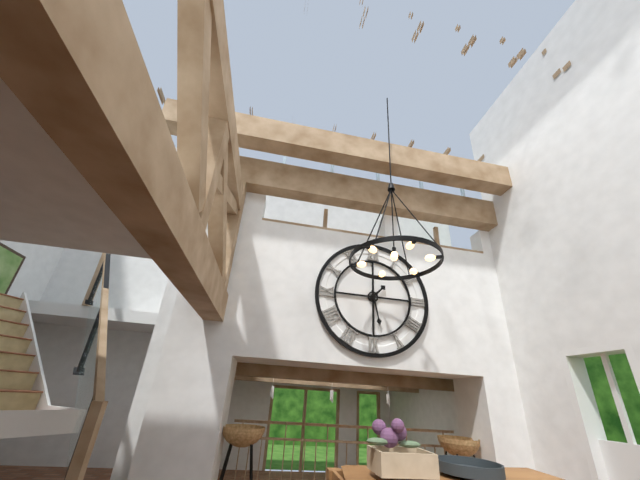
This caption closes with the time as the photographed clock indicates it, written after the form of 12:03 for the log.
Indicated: 1:28
